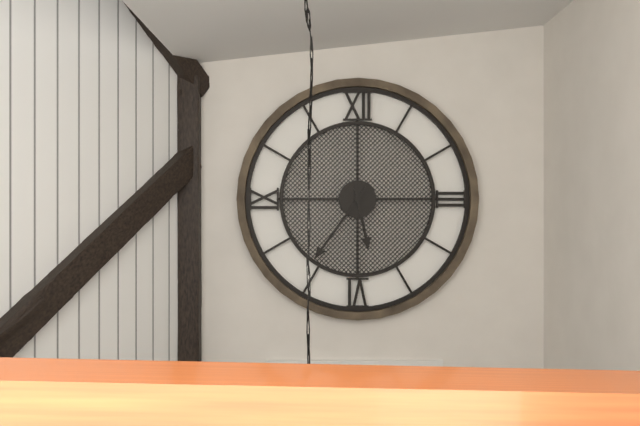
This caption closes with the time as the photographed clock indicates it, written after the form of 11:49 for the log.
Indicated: 5:36
